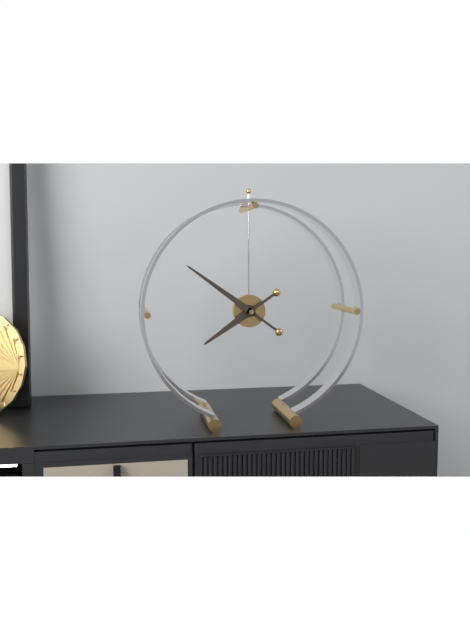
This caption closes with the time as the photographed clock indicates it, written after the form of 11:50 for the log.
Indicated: 7:51
